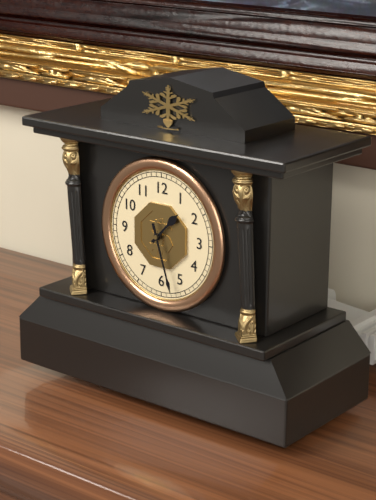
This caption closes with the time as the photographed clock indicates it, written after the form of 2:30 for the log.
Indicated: 1:27
